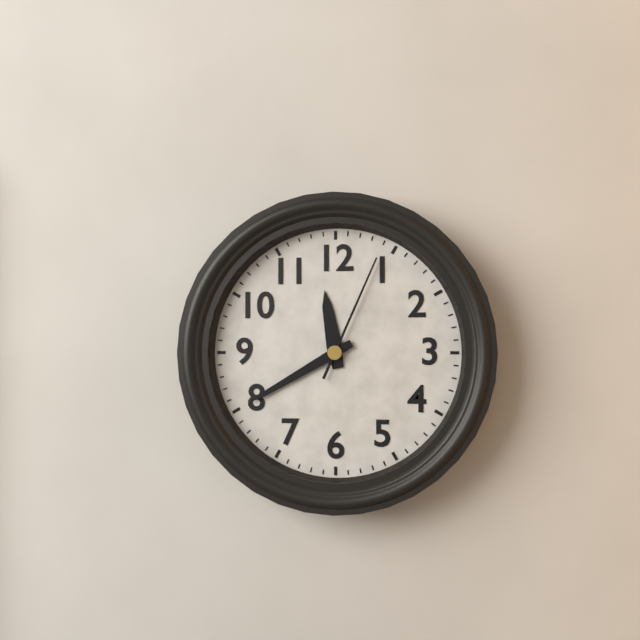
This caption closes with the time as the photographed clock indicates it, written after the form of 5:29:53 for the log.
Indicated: 11:40:04
